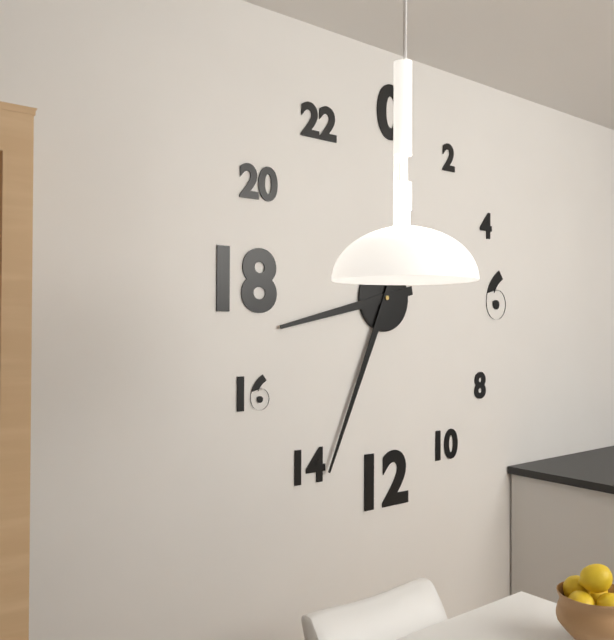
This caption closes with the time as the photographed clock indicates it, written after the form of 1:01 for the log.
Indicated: 8:34
